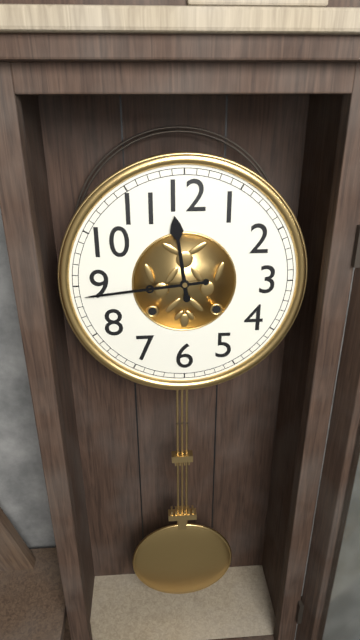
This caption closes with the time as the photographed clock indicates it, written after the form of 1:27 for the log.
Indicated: 11:44
